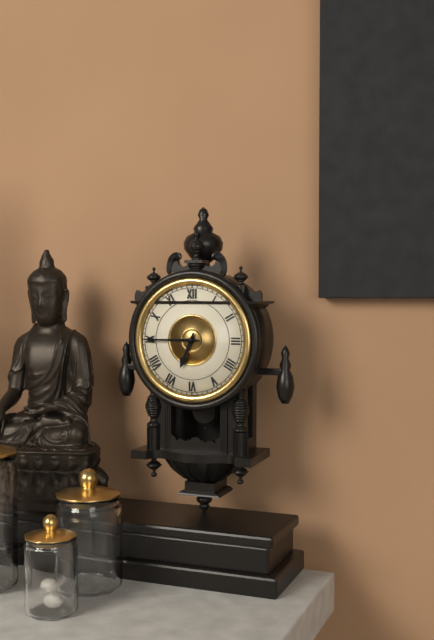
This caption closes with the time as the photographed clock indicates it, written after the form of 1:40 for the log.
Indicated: 6:45
